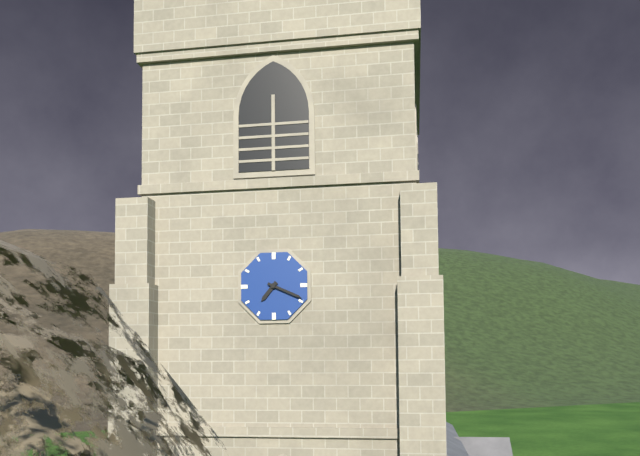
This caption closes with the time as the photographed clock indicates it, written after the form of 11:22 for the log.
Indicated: 7:19
